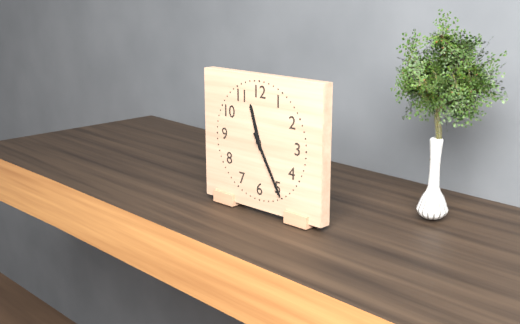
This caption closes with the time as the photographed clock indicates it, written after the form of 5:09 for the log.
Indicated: 11:25
